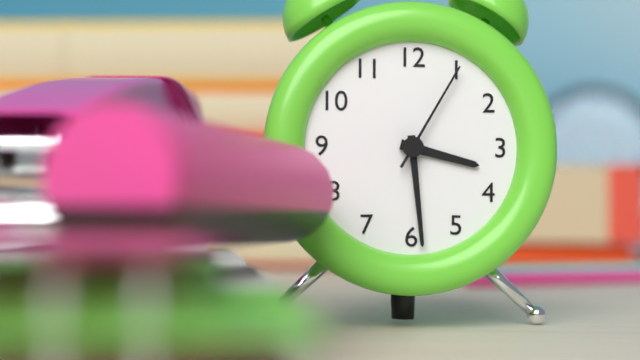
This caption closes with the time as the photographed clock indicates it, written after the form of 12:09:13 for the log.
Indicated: 3:29:05
